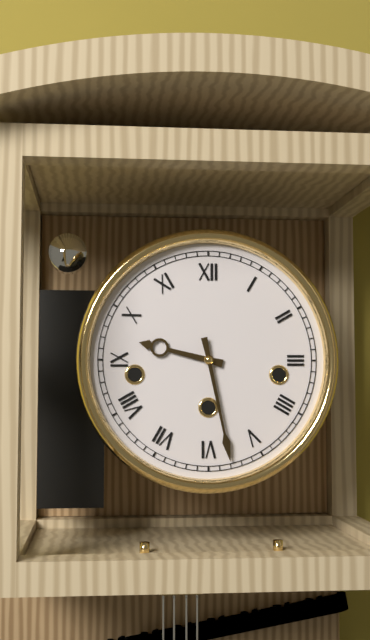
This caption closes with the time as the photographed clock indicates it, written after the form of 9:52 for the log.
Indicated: 9:28
